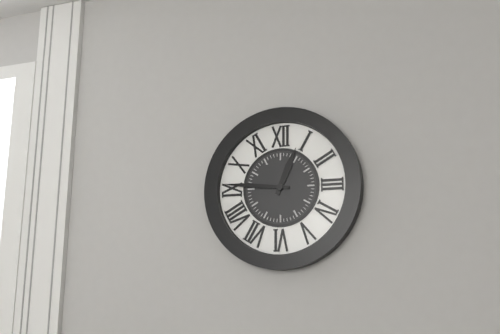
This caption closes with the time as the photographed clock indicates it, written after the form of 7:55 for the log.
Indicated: 12:46
